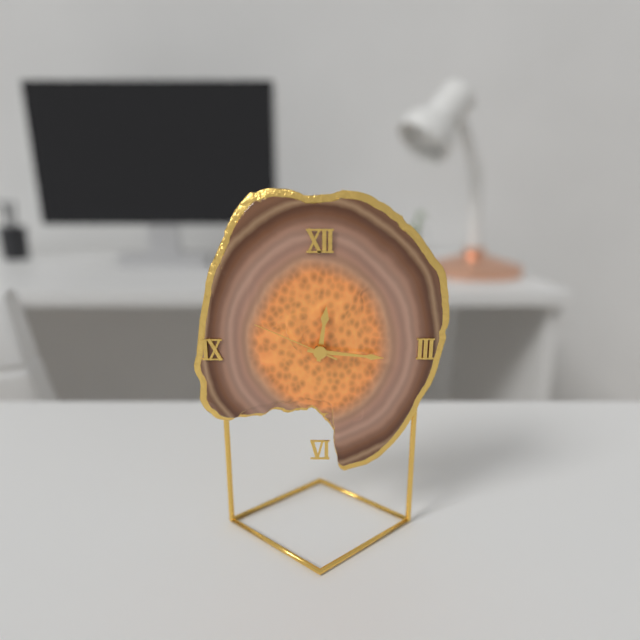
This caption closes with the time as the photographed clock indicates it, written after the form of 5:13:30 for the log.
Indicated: 12:16:49
